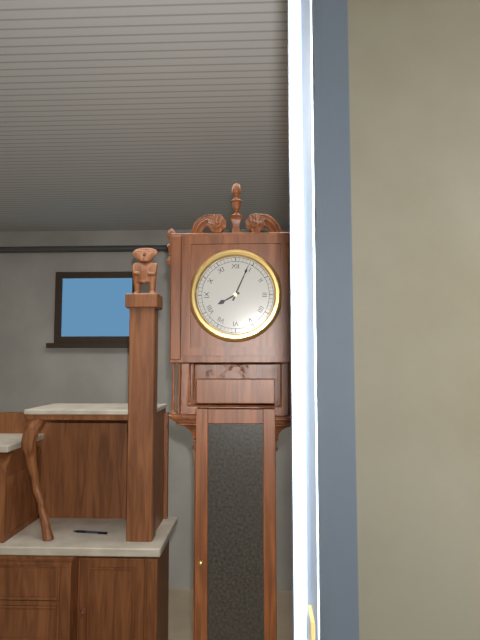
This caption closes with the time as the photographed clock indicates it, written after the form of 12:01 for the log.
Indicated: 8:04
